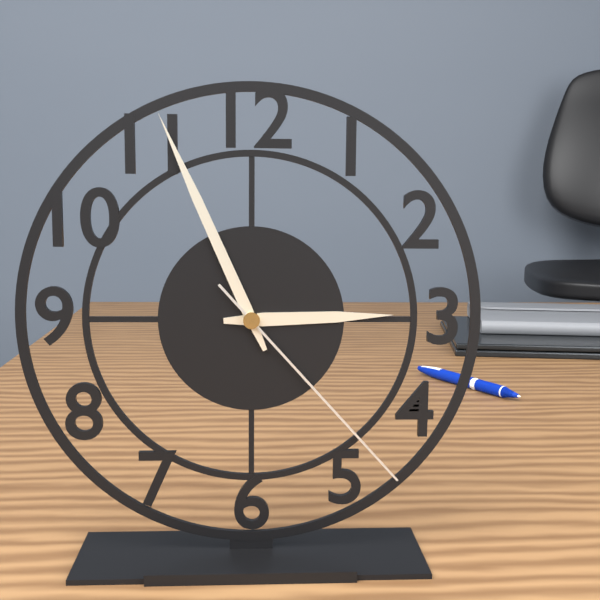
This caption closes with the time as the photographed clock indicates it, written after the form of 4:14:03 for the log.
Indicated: 2:56:23
